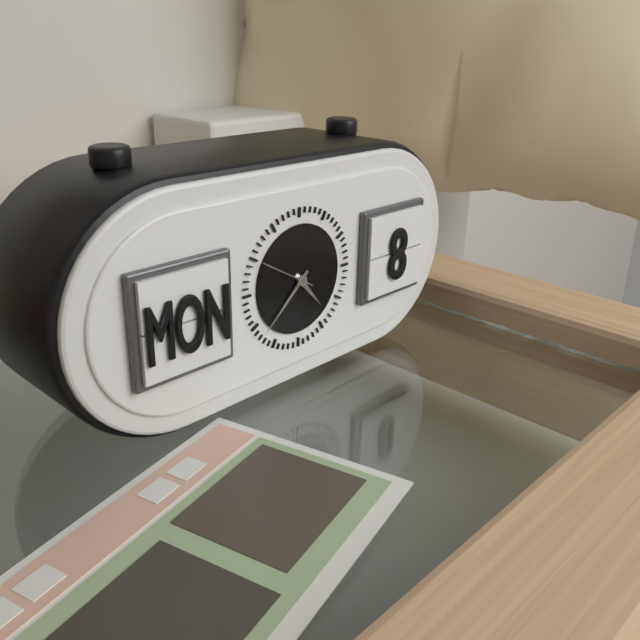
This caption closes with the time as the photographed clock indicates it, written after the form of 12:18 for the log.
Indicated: 4:38
